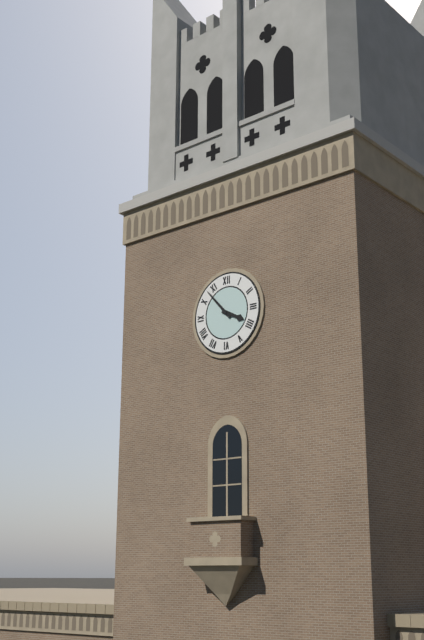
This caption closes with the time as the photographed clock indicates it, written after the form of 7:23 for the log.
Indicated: 3:53
